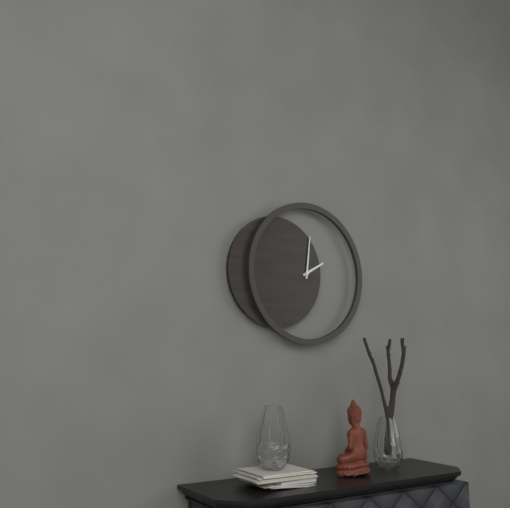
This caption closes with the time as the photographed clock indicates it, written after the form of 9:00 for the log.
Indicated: 2:01
